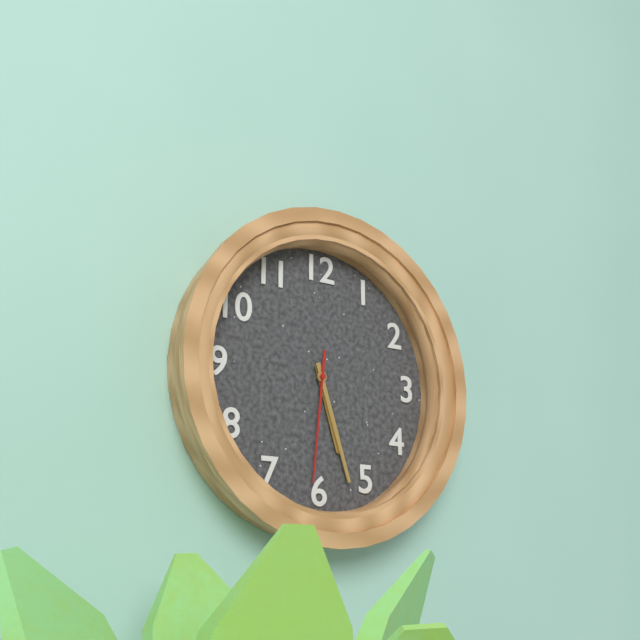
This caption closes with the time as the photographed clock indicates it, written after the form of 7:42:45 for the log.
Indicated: 5:27:31
